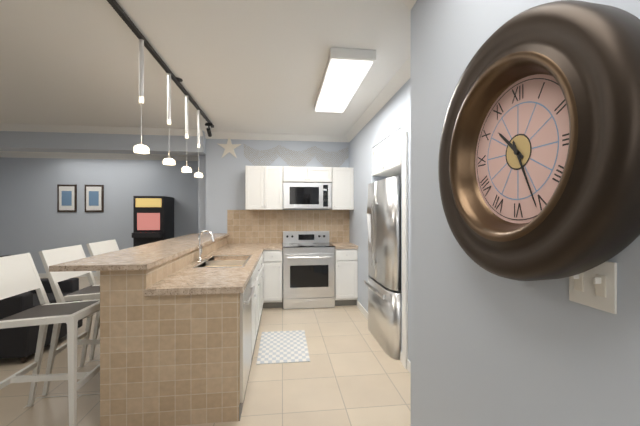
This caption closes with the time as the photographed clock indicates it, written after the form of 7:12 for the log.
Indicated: 10:26
